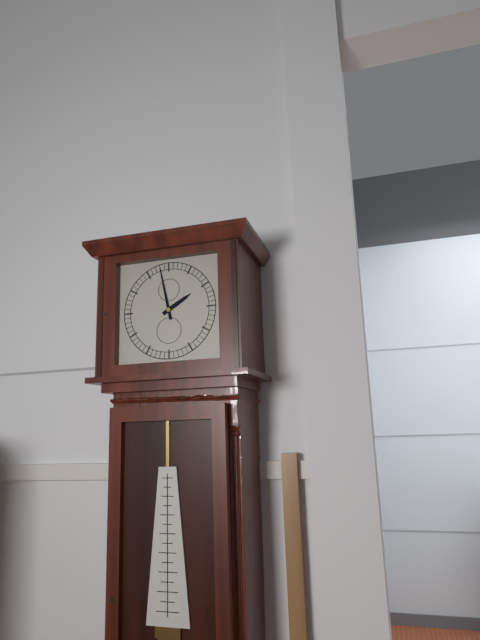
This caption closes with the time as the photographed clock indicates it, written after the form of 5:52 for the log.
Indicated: 1:58
